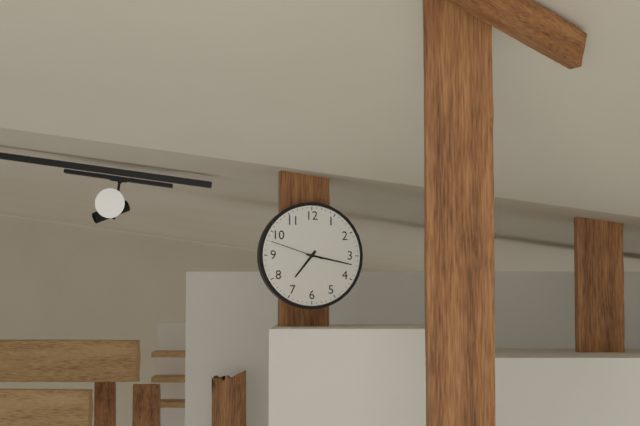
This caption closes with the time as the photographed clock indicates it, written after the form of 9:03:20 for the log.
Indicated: 7:17:48
